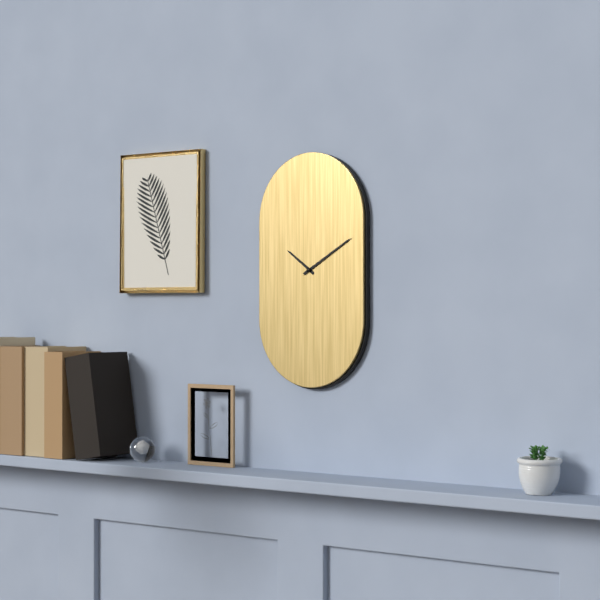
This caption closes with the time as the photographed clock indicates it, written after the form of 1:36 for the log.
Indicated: 10:10
